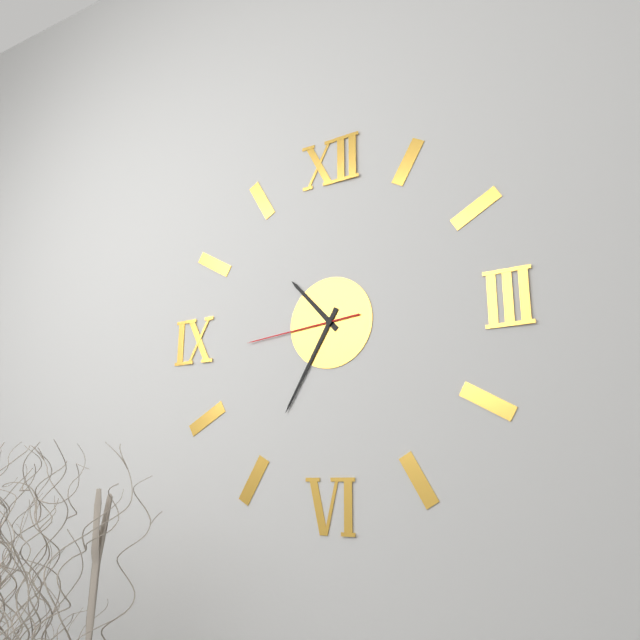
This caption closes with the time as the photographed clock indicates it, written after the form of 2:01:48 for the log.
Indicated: 10:35:44
